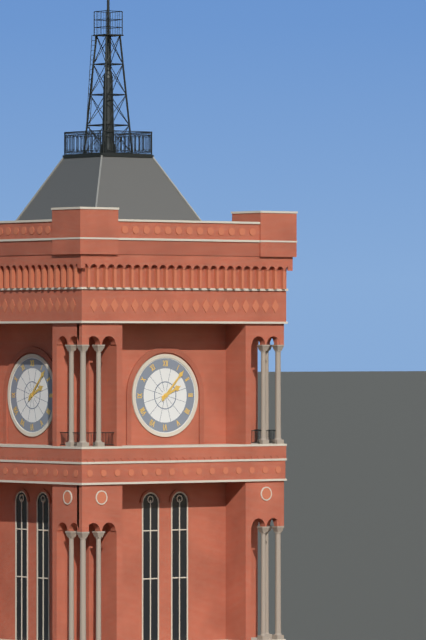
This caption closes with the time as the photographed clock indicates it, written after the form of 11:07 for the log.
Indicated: 2:07
